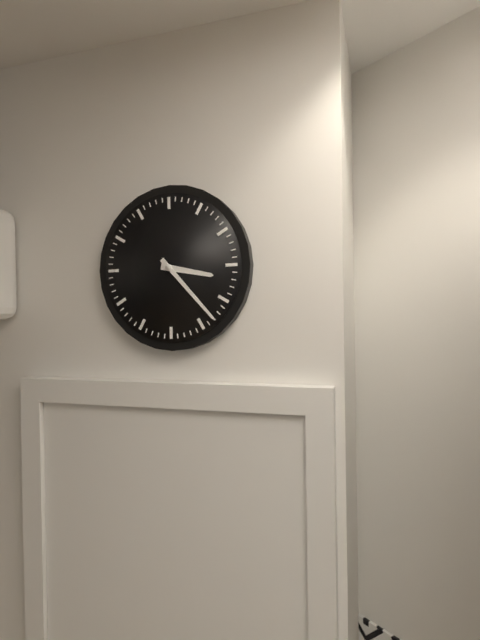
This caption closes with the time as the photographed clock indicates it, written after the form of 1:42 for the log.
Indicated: 3:23
